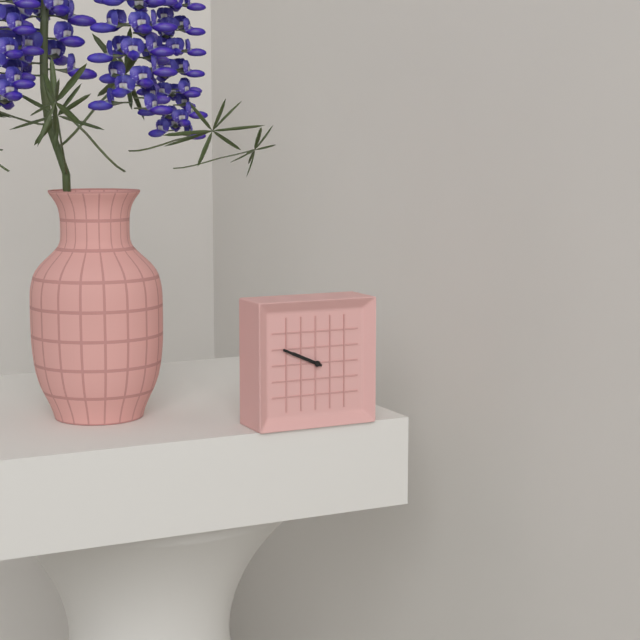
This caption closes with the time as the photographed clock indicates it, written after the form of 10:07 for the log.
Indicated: 9:49
